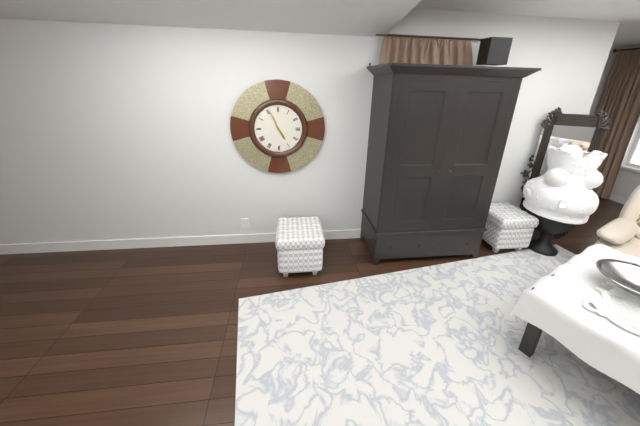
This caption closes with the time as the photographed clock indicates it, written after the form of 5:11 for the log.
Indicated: 4:56
